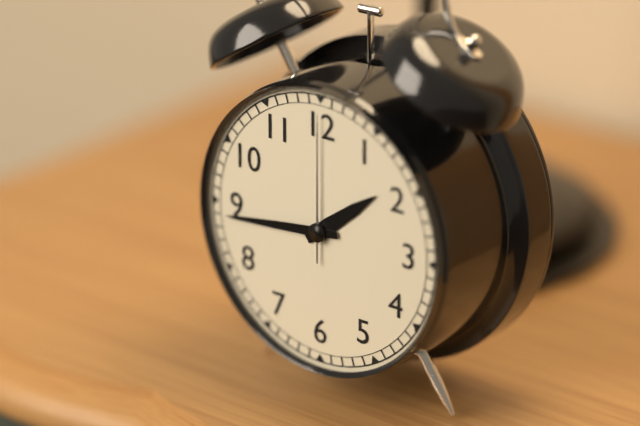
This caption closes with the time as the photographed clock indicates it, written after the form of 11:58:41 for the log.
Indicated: 1:44:00
